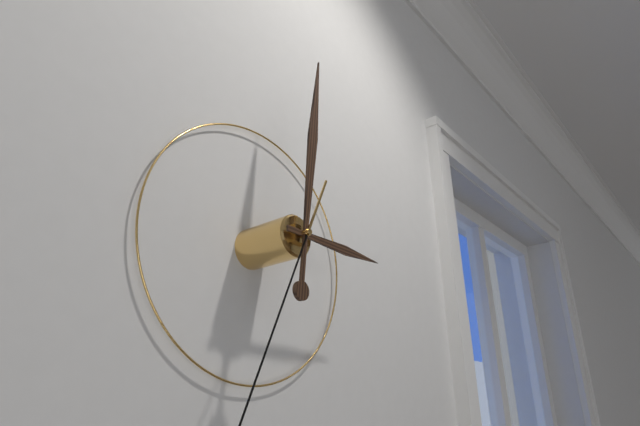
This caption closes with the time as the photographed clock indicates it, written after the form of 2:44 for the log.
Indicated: 3:01
